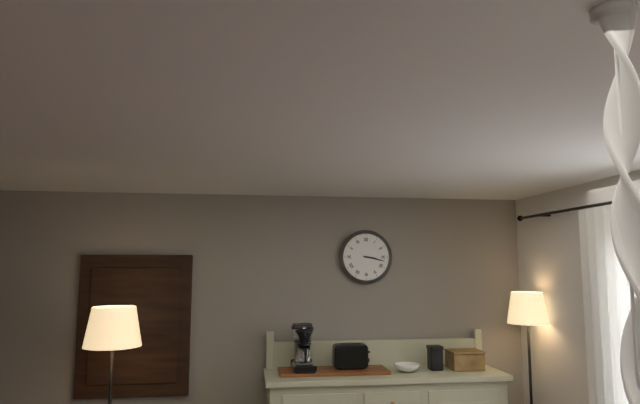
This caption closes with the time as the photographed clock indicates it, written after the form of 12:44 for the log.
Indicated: 3:17
